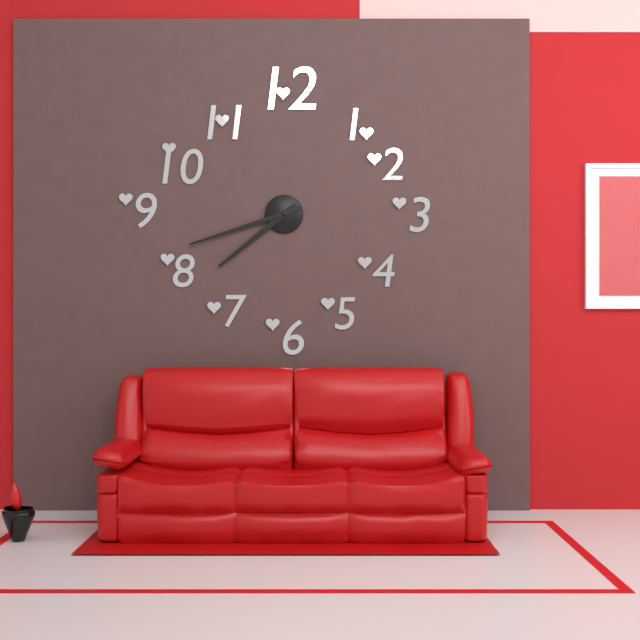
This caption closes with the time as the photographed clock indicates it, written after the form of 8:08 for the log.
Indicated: 7:42
